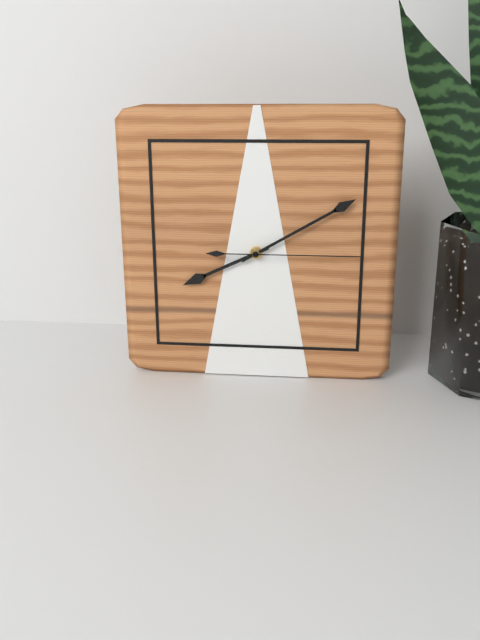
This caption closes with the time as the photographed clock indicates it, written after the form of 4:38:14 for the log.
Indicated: 8:10:15
